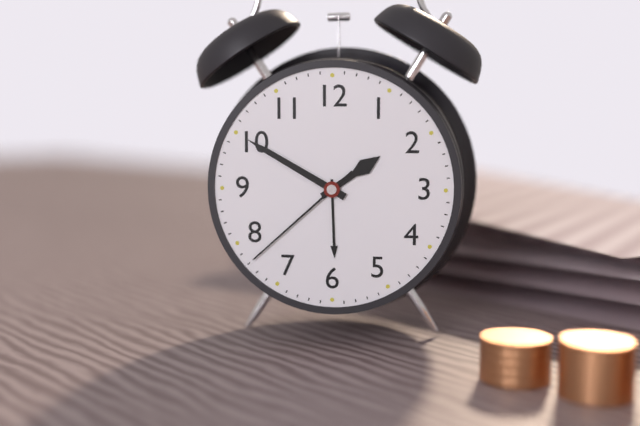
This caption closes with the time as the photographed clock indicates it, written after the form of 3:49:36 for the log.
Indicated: 1:50:38
